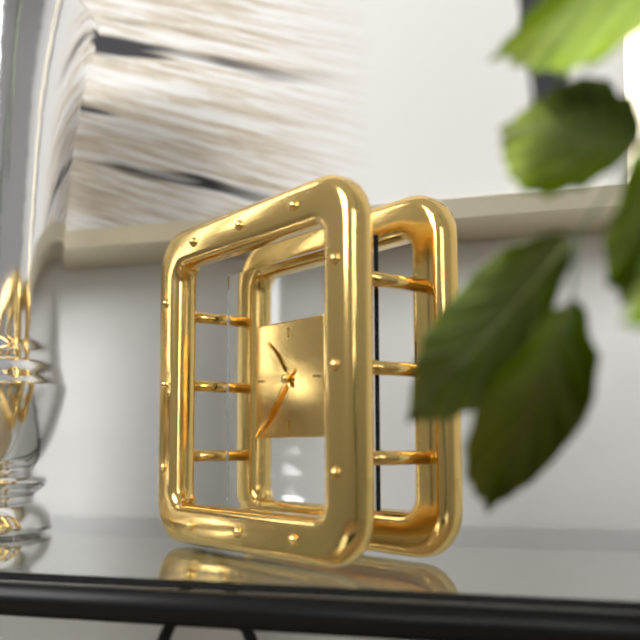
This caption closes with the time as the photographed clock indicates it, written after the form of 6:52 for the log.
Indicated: 10:37
